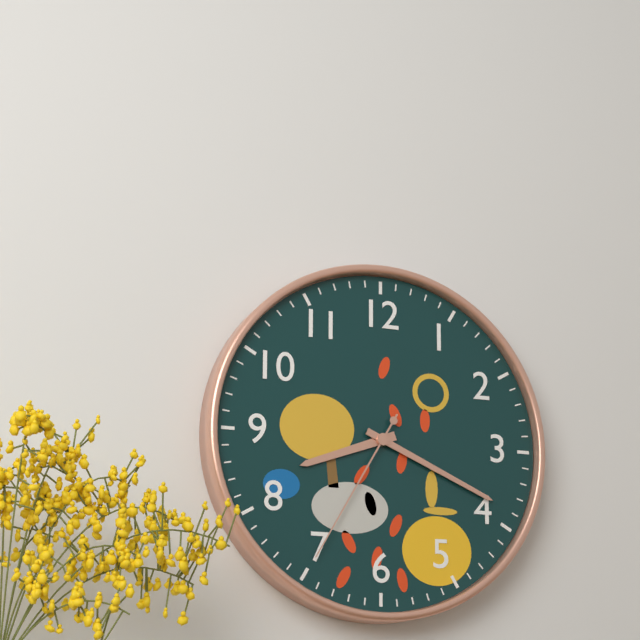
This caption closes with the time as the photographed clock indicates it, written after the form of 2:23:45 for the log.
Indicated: 8:19:35
